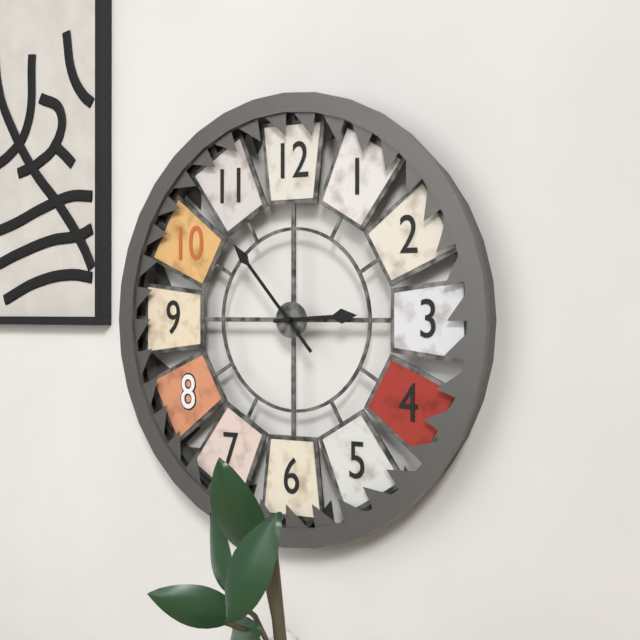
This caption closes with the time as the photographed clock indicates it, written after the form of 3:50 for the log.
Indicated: 2:53
